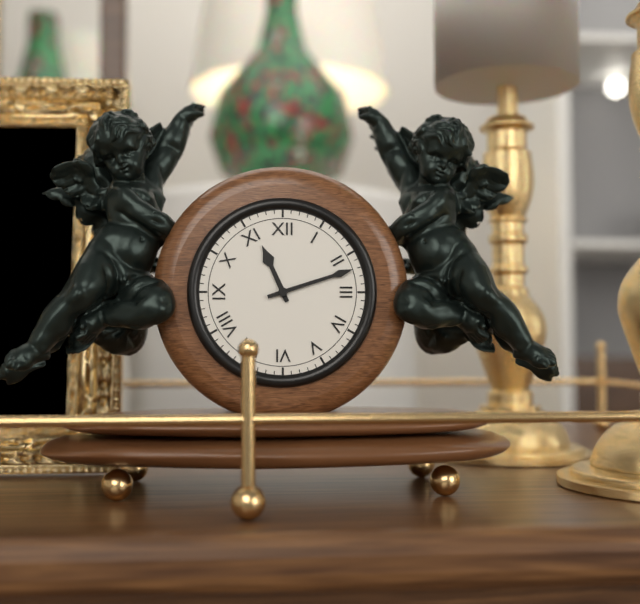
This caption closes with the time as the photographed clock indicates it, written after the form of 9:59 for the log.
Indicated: 11:12
